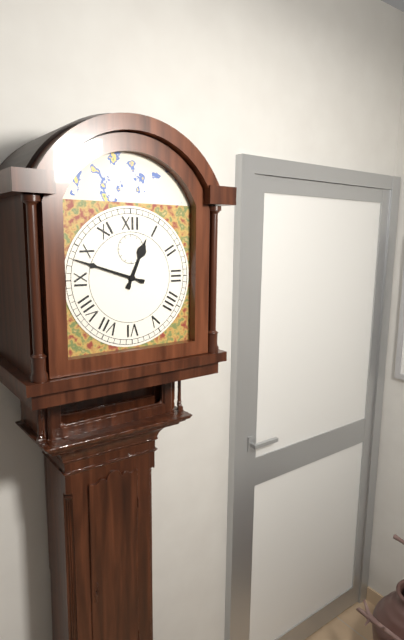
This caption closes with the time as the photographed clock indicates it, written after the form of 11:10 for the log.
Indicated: 12:48
